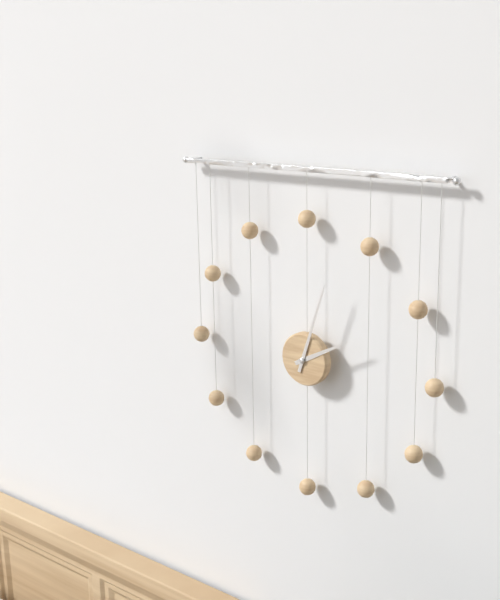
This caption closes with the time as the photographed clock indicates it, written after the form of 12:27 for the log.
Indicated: 2:03
